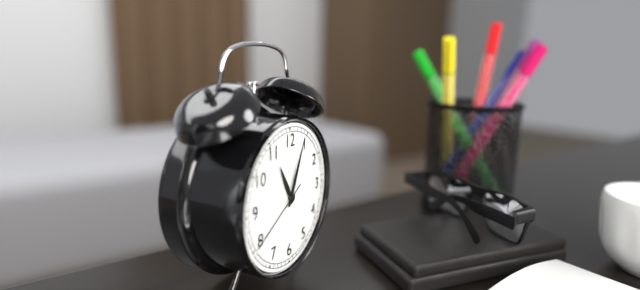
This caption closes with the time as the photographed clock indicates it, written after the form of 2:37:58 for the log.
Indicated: 11:04:40
